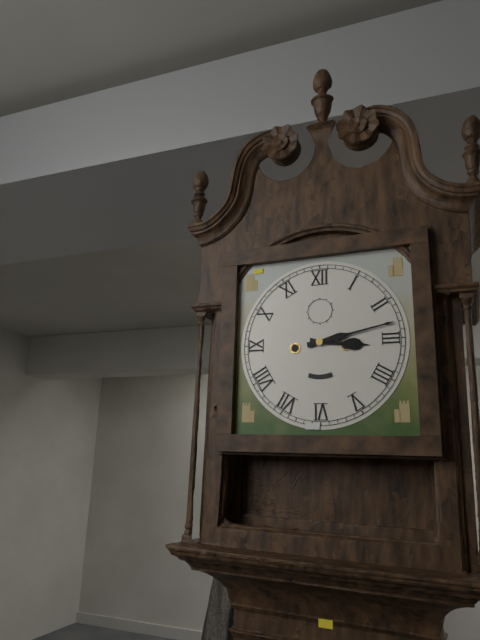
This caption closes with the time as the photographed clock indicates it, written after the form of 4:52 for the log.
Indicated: 3:13
